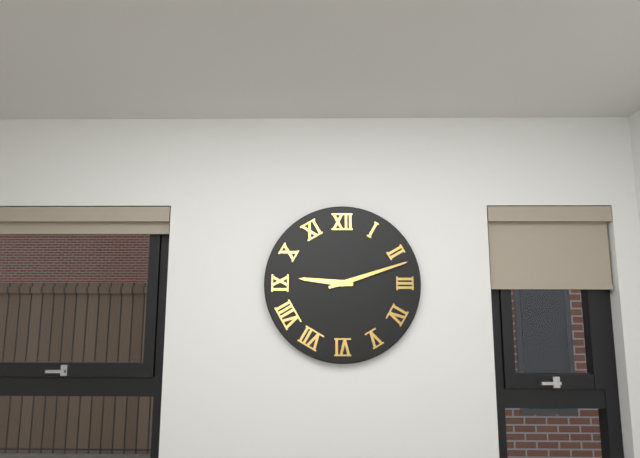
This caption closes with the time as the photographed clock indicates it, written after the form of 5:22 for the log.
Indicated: 9:12
